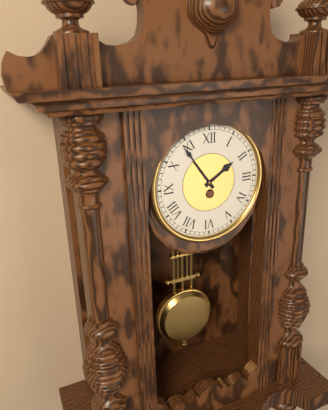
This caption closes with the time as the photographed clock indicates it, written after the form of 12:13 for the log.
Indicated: 1:54
